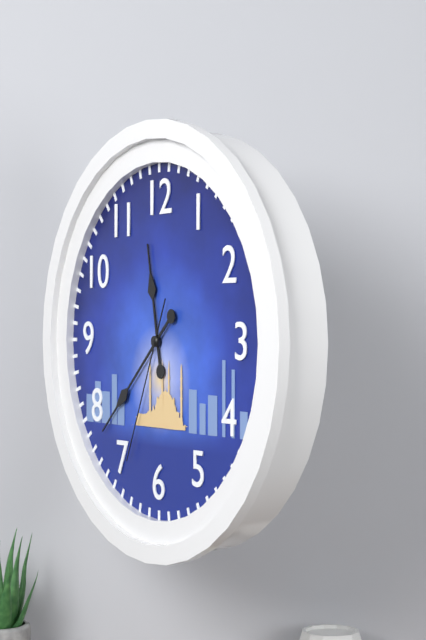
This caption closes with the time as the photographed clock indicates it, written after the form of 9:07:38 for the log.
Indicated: 11:38:34
